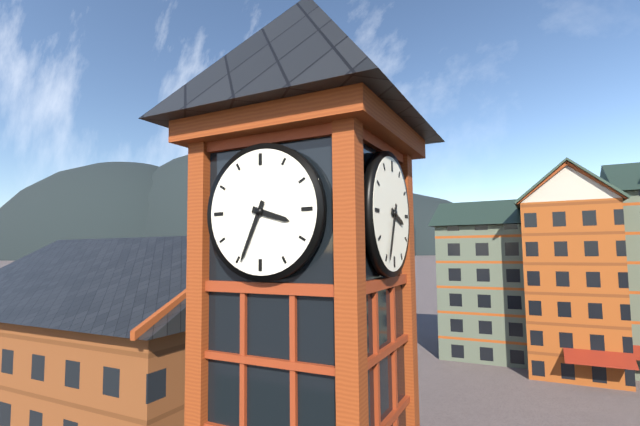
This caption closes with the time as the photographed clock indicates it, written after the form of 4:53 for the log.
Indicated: 3:34
